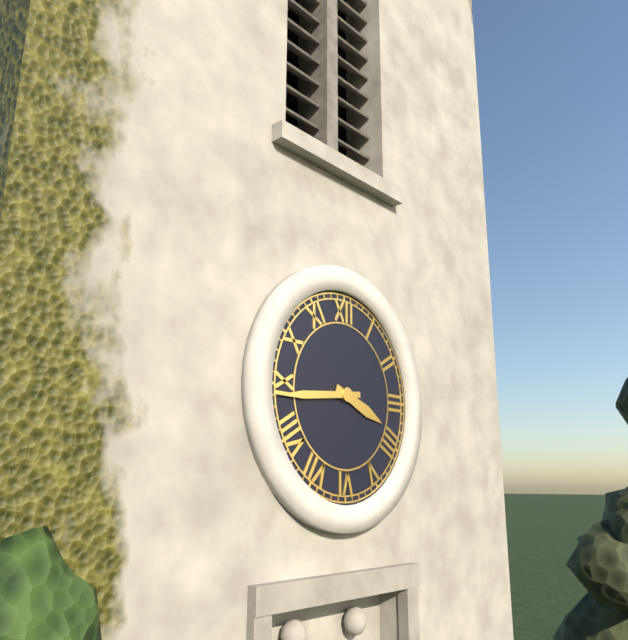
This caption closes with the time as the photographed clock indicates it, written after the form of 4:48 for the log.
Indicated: 3:44
